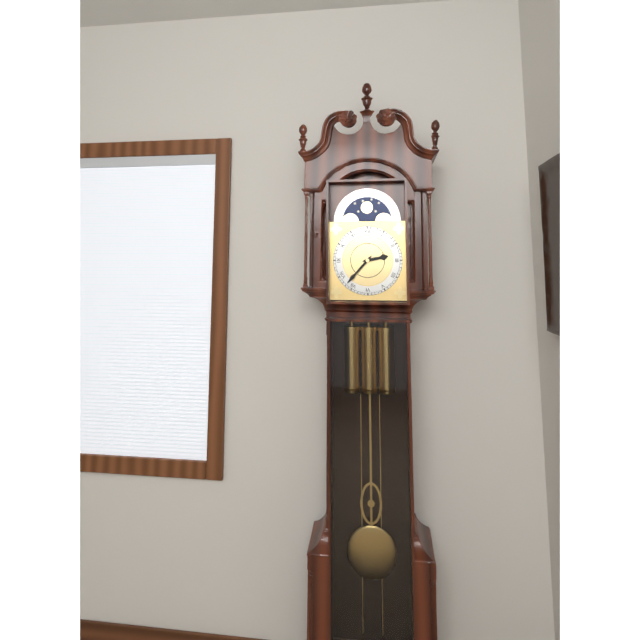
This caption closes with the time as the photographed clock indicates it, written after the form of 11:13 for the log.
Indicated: 2:37
